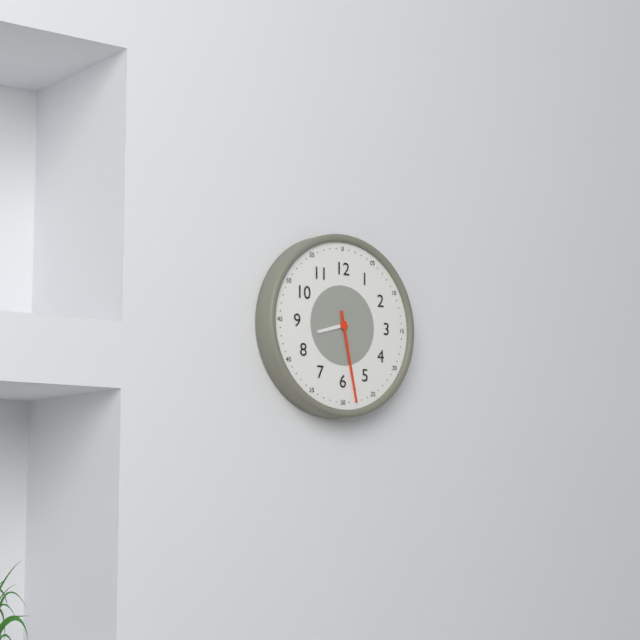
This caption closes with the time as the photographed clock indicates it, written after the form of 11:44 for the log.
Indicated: 8:28
